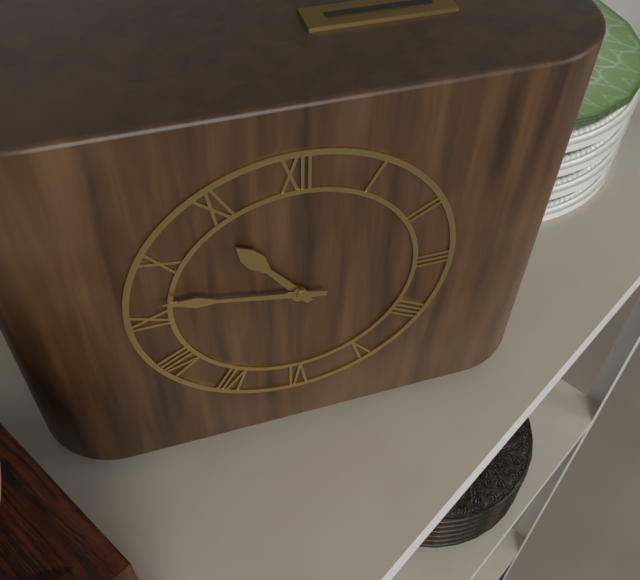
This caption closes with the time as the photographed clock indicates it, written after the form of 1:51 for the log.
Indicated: 10:47
